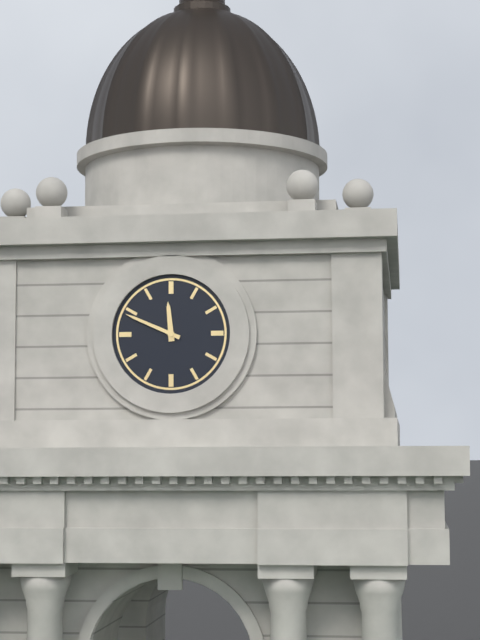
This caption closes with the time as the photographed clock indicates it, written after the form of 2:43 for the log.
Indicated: 11:49
